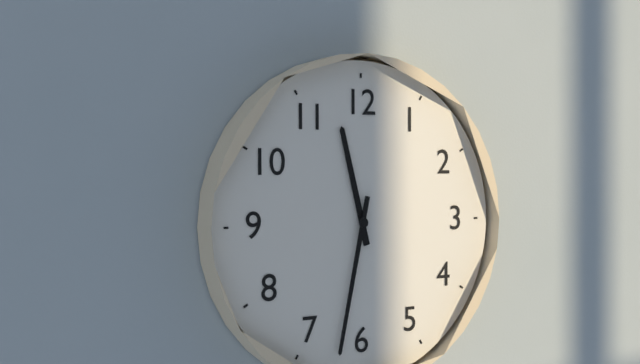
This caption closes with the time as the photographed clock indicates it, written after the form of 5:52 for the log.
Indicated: 11:32
